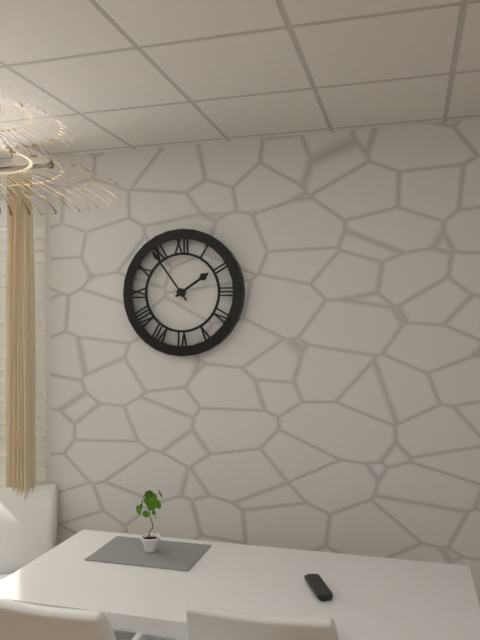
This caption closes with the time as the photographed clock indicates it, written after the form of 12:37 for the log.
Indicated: 1:54
